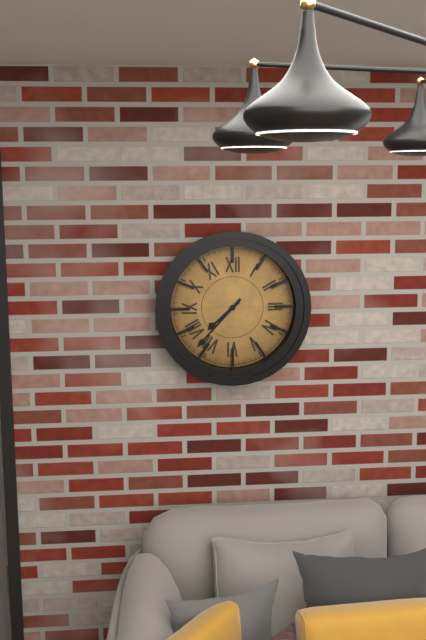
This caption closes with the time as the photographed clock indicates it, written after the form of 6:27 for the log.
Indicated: 7:37
